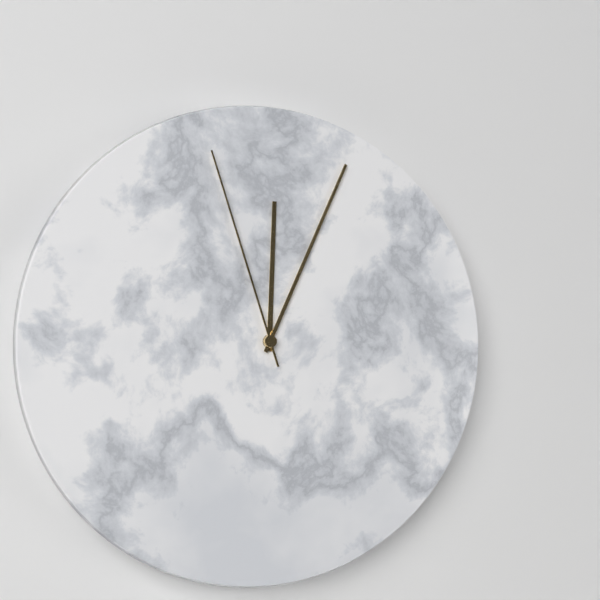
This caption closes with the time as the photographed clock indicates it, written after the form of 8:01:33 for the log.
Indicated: 12:04:57
